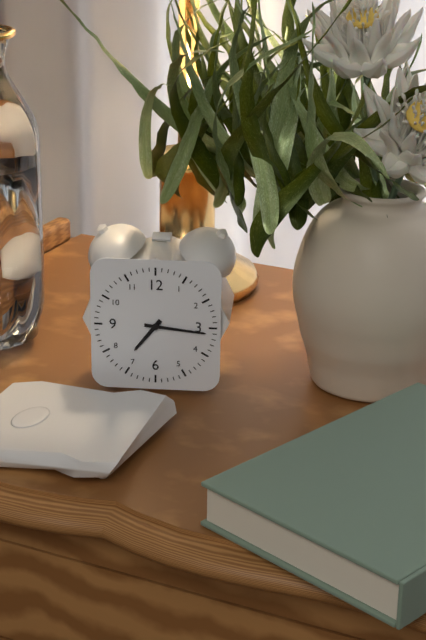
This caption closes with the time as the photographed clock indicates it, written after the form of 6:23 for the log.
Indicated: 7:16
